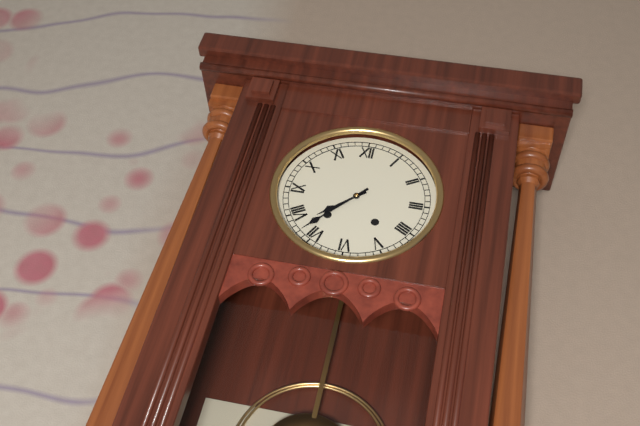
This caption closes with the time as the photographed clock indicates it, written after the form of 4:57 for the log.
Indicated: 7:37
